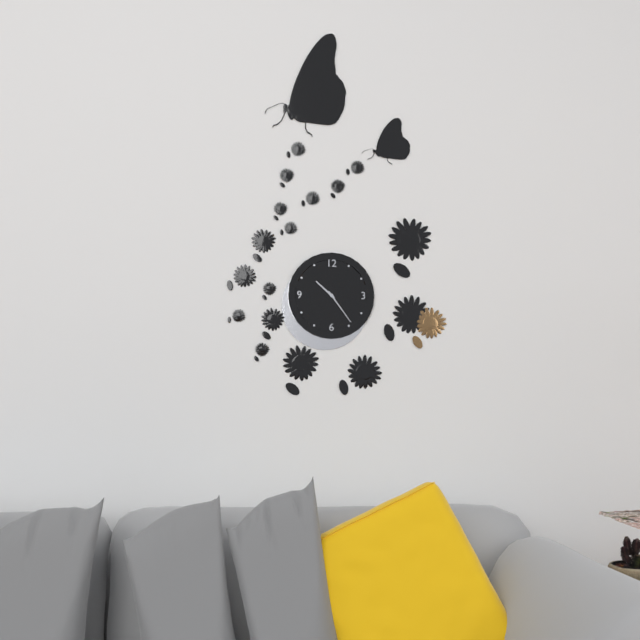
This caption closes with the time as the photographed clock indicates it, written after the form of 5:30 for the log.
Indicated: 10:24
